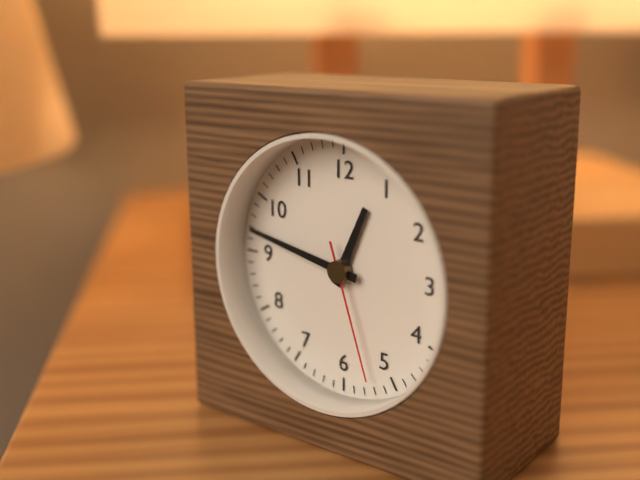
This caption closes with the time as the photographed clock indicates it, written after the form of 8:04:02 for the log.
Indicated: 12:47:27
